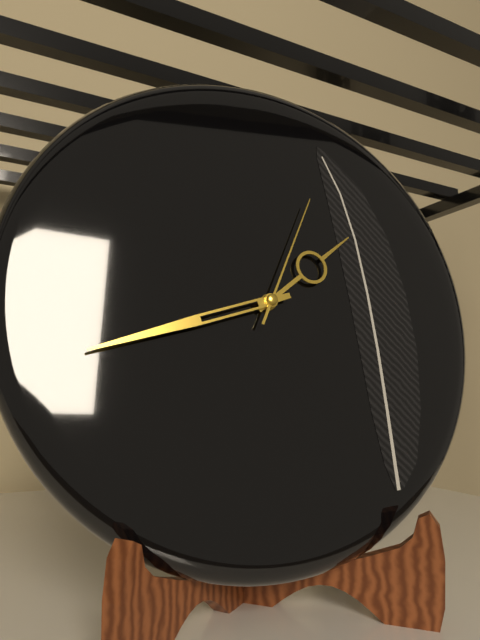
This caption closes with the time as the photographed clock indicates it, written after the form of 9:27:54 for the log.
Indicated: 1:42:04
